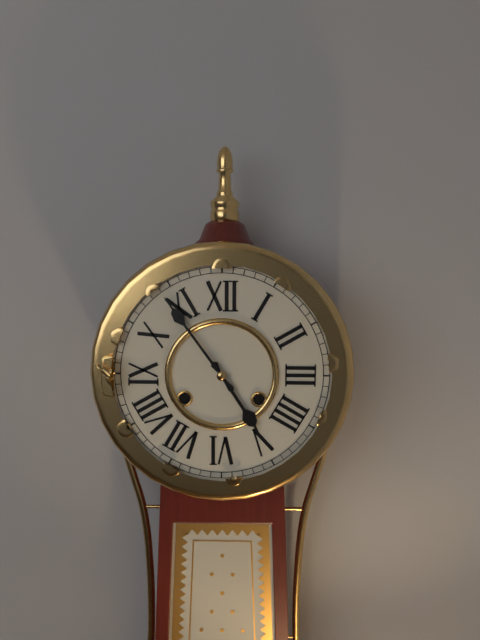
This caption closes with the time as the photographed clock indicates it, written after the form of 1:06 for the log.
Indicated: 4:54
